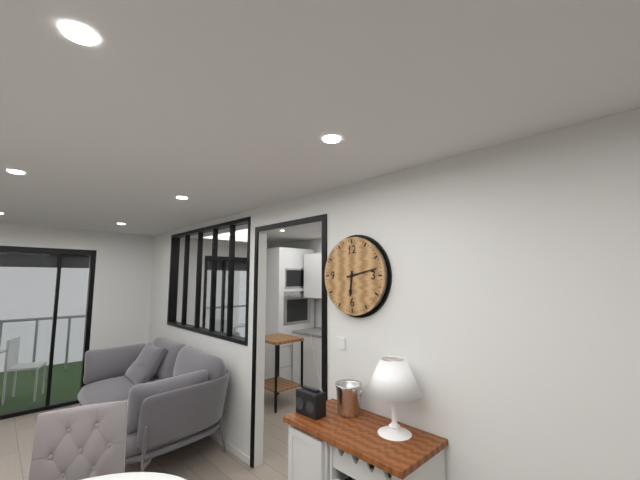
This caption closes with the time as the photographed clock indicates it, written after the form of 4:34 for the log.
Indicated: 6:13
